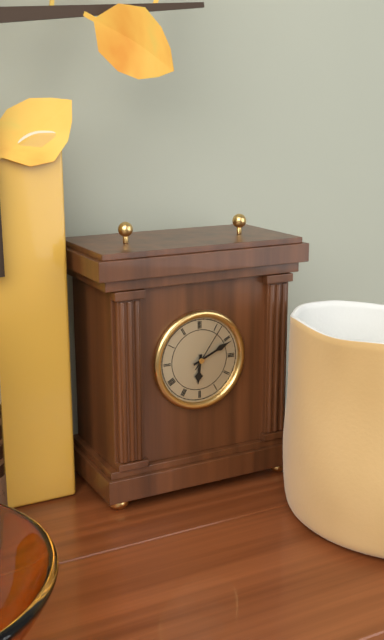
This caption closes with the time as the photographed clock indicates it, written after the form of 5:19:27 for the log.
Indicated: 6:11:06
